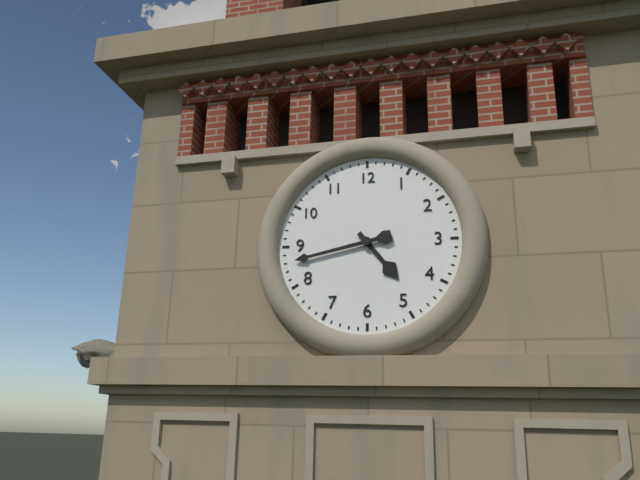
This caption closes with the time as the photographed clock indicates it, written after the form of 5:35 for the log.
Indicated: 4:43
